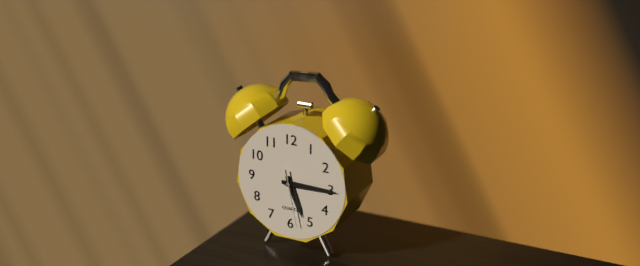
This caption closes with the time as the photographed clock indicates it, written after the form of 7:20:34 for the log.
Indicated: 5:15:28
